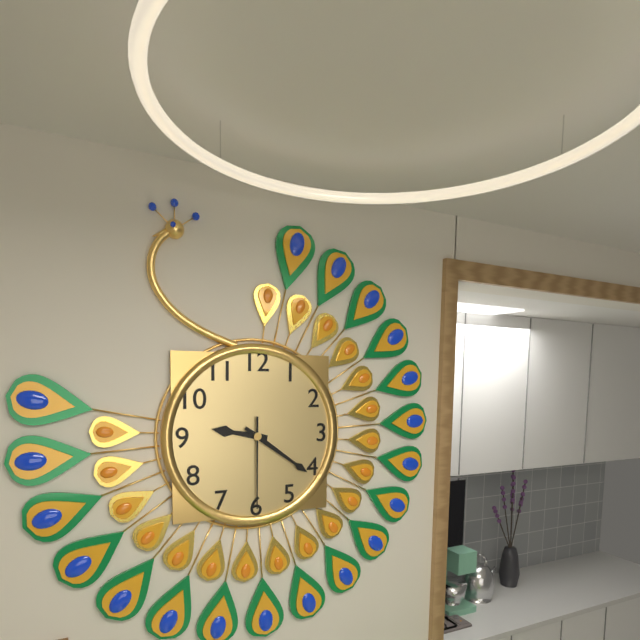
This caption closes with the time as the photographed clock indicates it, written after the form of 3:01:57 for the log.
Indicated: 9:21:30
